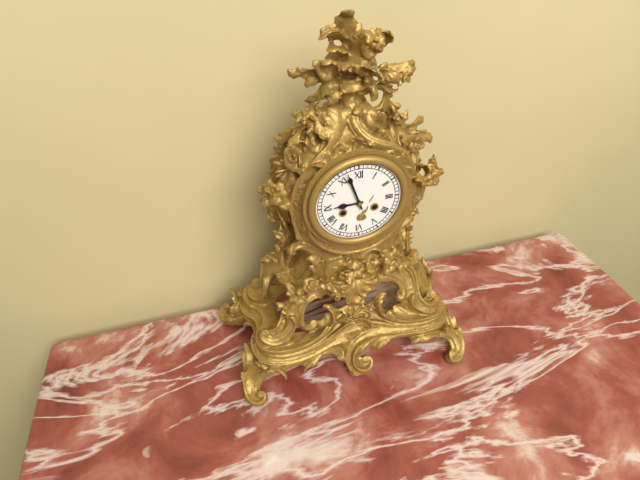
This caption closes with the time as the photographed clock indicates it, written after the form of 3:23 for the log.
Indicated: 8:57
